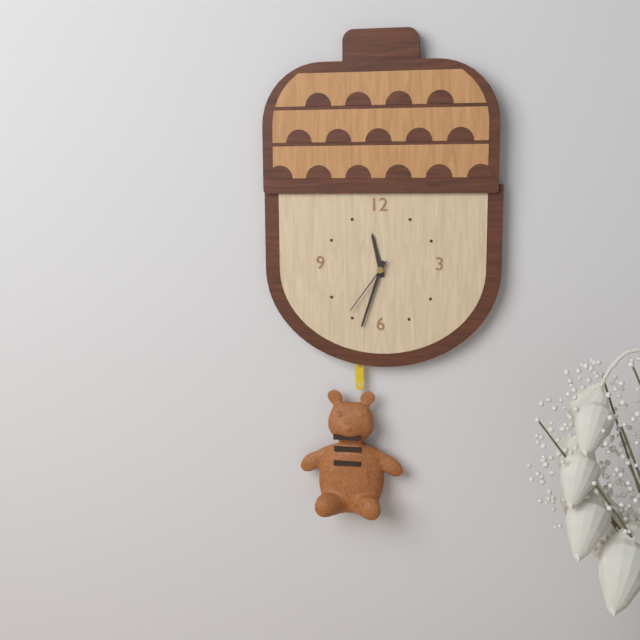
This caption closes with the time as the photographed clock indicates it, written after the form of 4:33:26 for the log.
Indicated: 11:33:36
